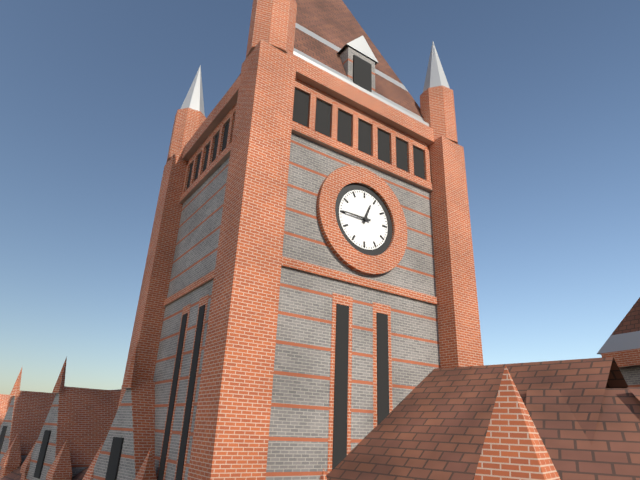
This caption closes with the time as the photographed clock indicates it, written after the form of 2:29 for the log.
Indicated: 12:45
